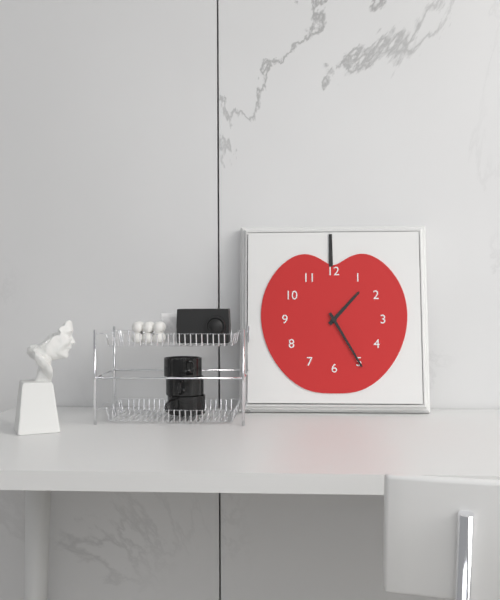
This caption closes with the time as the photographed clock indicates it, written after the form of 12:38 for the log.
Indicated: 1:25
